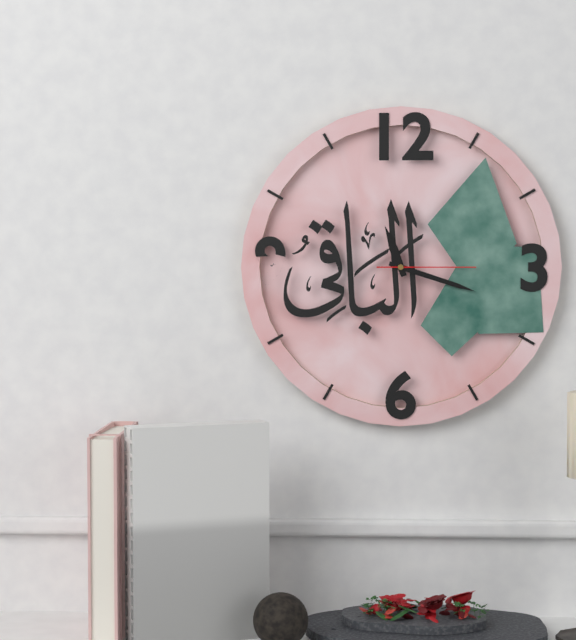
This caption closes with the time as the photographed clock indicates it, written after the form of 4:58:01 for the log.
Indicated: 11:18:15
